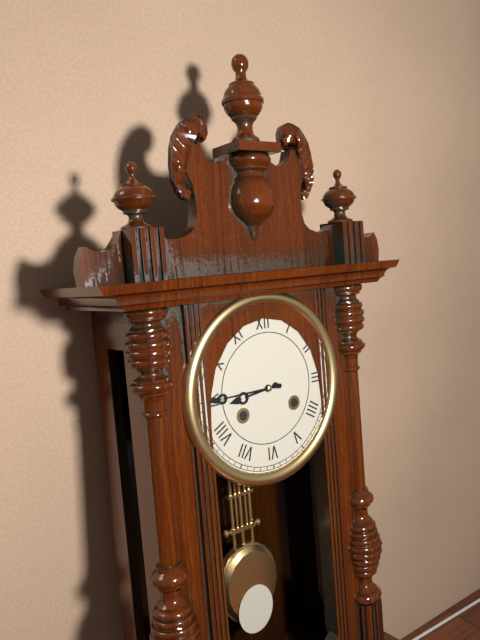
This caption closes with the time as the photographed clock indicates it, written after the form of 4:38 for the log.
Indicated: 8:45
